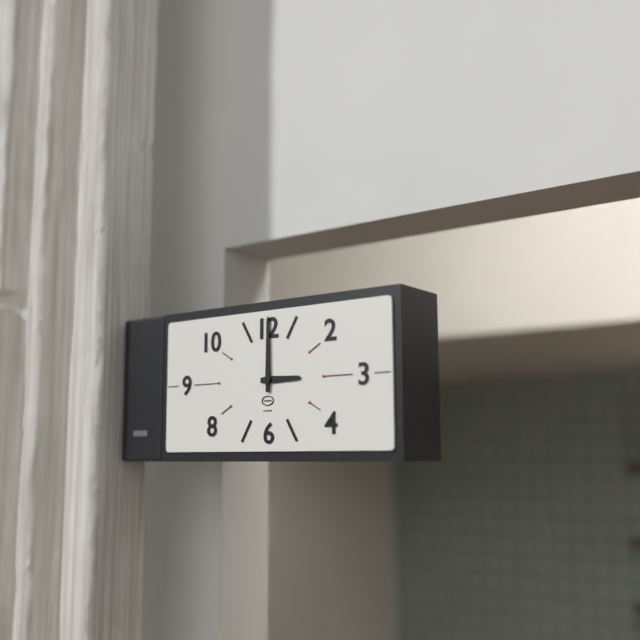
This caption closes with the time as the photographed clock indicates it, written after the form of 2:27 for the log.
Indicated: 3:00
